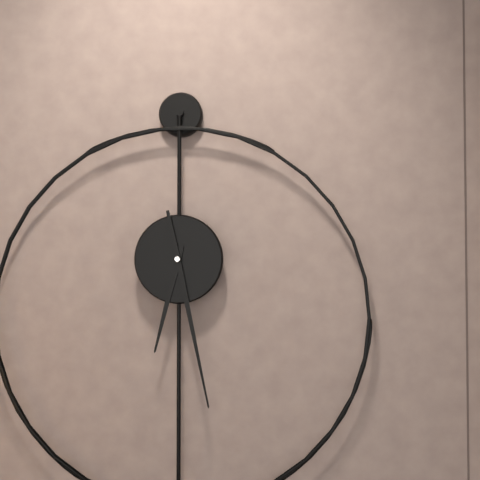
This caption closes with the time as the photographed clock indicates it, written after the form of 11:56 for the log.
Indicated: 6:28
